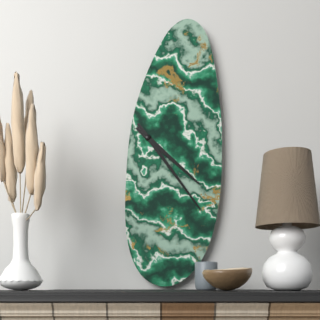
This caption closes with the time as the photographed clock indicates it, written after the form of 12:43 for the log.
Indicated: 4:24
